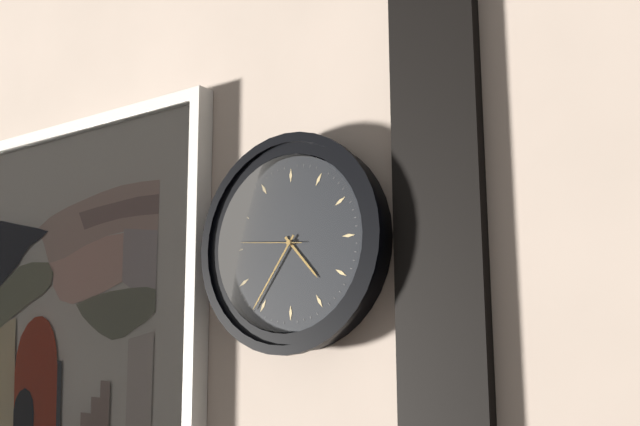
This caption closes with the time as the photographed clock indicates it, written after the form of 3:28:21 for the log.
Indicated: 4:36:46
